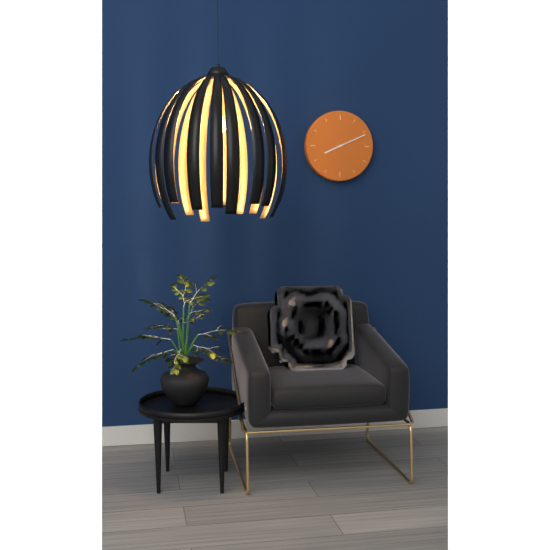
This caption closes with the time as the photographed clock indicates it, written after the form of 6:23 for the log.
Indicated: 8:11
